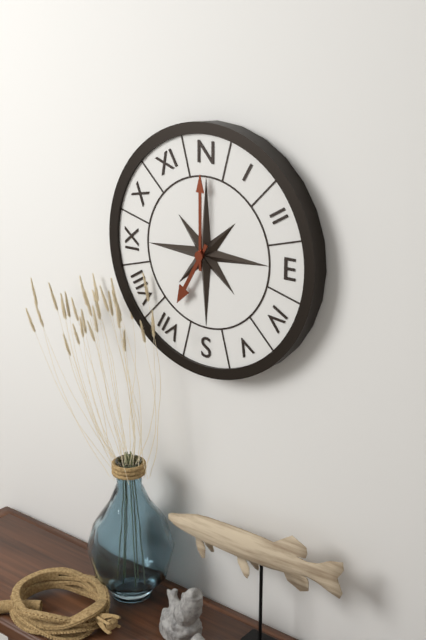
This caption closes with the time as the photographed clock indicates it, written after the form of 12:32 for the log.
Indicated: 7:00
